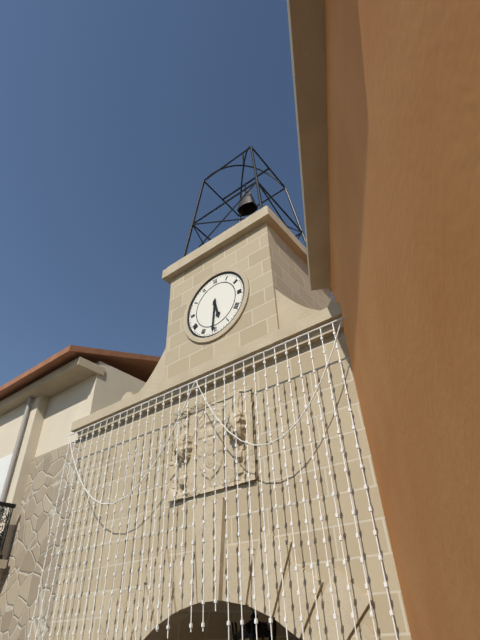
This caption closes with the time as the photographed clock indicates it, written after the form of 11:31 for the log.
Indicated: 5:31
